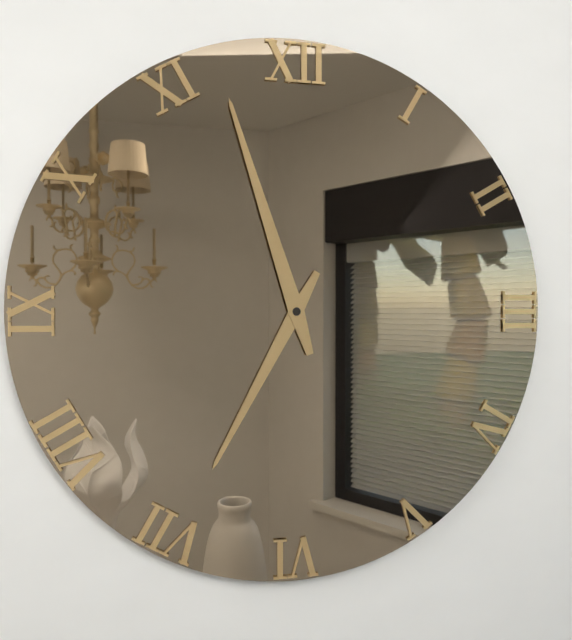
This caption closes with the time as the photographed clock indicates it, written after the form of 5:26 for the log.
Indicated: 6:57
